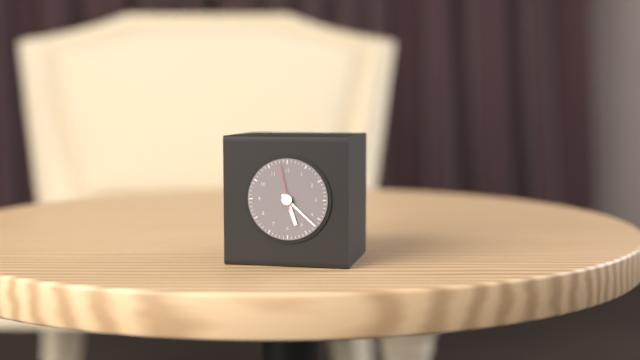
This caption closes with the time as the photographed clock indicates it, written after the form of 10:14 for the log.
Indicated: 5:22
